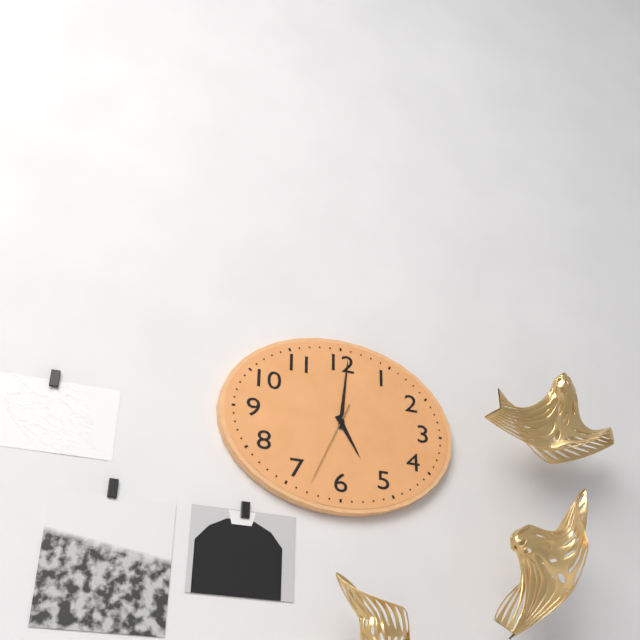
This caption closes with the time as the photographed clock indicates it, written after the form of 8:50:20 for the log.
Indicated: 5:01:34
